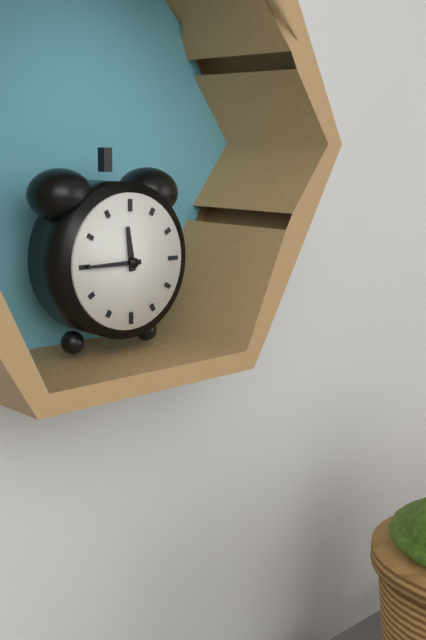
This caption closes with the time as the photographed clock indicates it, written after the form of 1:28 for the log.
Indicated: 11:45
